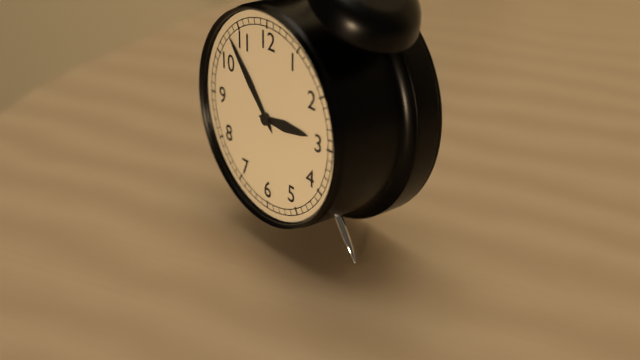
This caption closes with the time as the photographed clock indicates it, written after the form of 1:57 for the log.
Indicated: 2:53
